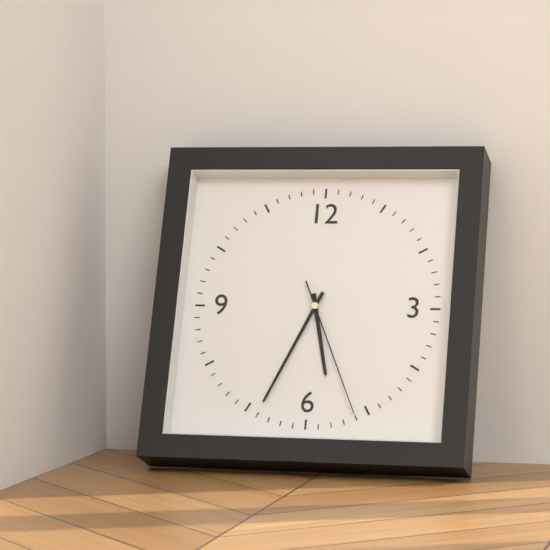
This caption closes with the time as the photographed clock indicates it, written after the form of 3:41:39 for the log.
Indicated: 5:34:26
